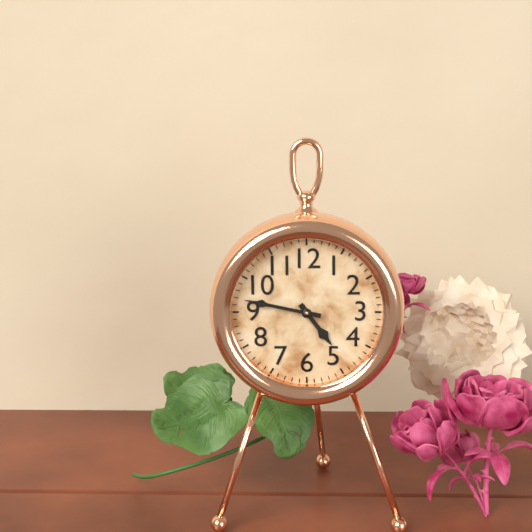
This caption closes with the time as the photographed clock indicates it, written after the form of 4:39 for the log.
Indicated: 4:47
